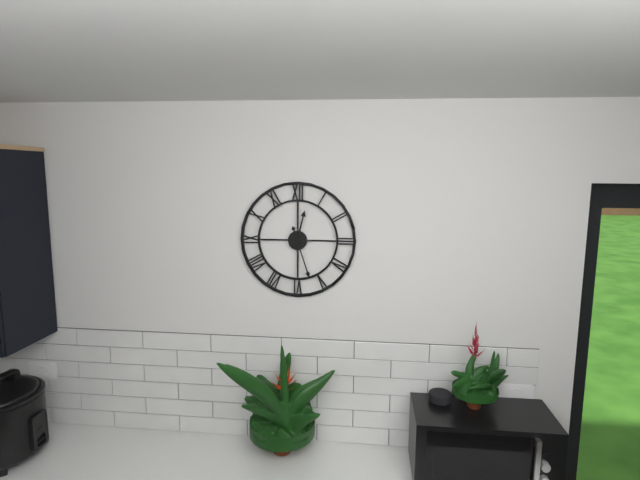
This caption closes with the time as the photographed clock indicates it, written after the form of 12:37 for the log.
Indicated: 12:27
